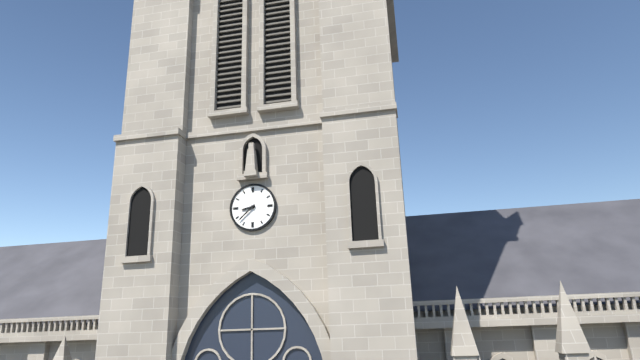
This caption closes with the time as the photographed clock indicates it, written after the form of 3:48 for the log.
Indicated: 8:38
